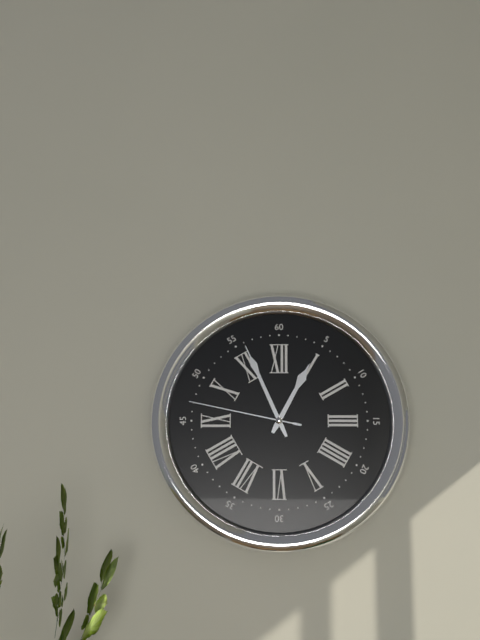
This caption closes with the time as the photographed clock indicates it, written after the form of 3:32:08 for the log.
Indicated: 12:56:47
